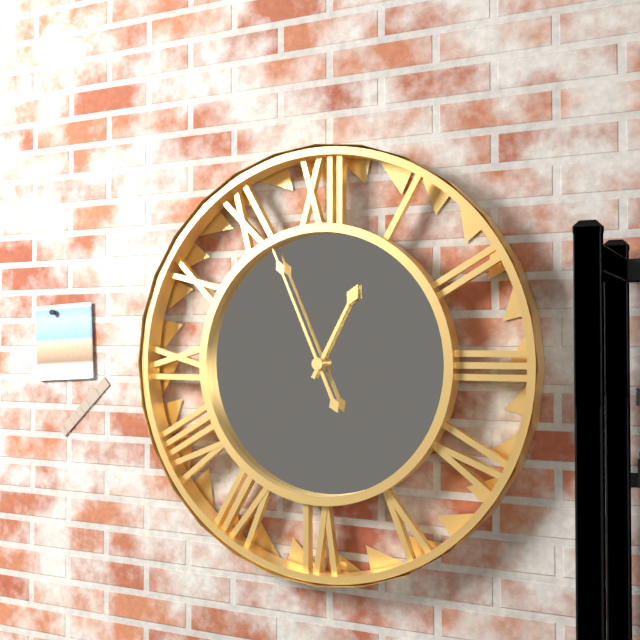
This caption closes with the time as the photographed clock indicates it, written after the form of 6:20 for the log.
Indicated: 12:56
